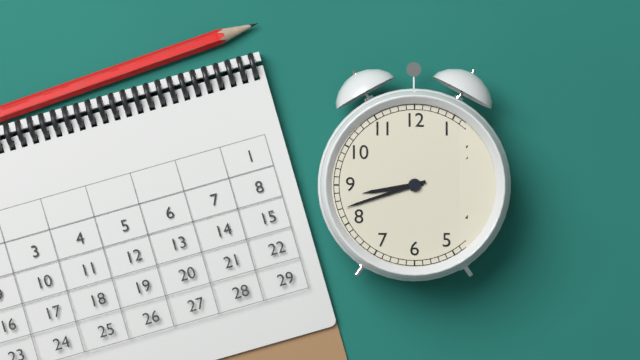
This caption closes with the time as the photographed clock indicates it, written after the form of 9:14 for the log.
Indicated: 8:42
